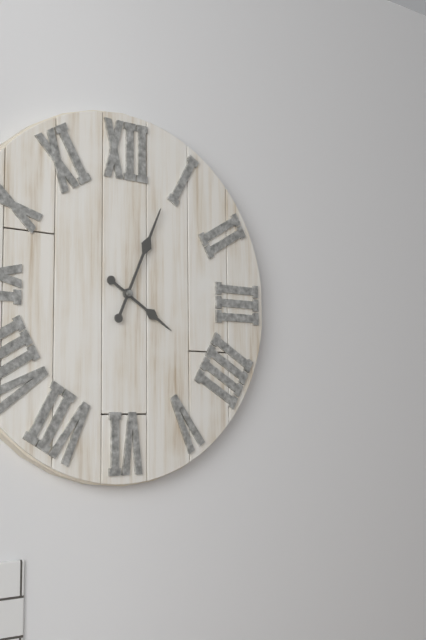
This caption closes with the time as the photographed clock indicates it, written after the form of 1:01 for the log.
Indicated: 4:04
